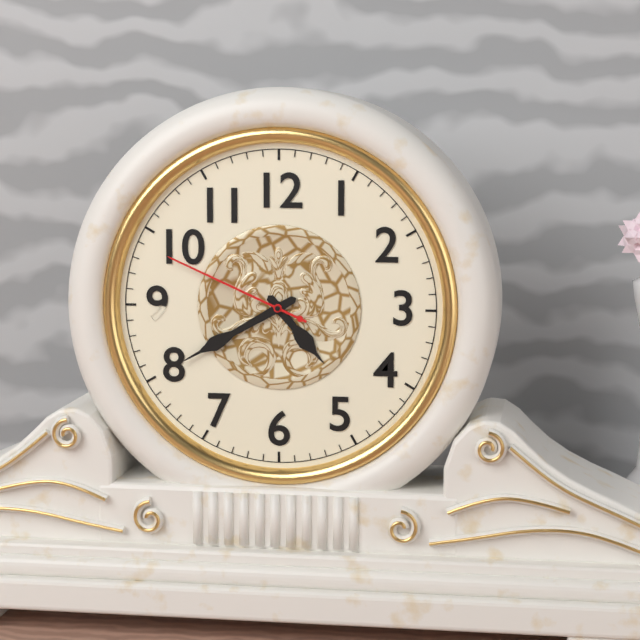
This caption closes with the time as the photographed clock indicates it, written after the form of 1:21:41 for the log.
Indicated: 4:40:49
